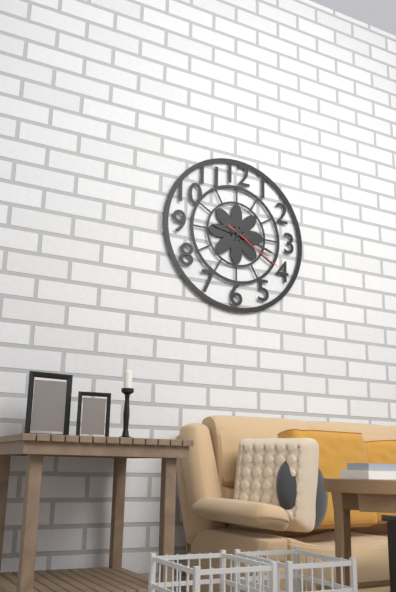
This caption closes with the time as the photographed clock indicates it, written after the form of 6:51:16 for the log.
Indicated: 9:18:20
